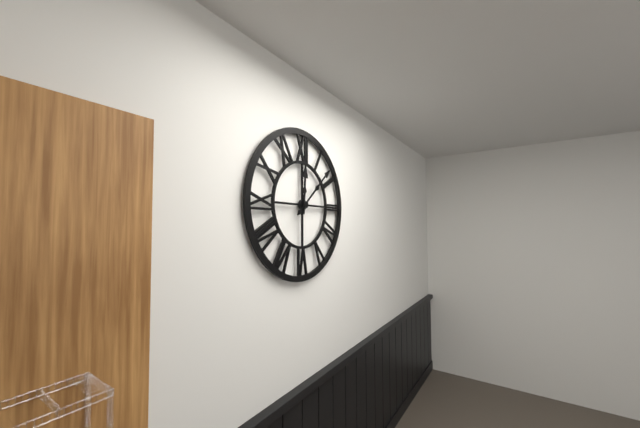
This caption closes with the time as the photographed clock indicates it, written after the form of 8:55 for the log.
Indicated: 12:08
